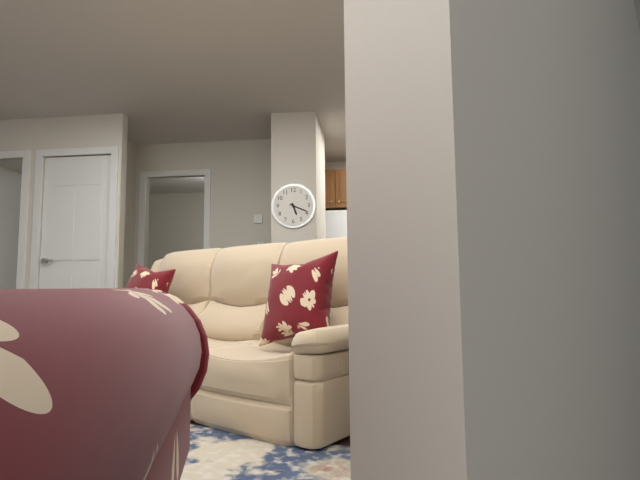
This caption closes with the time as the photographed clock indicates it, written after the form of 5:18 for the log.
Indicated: 5:19
